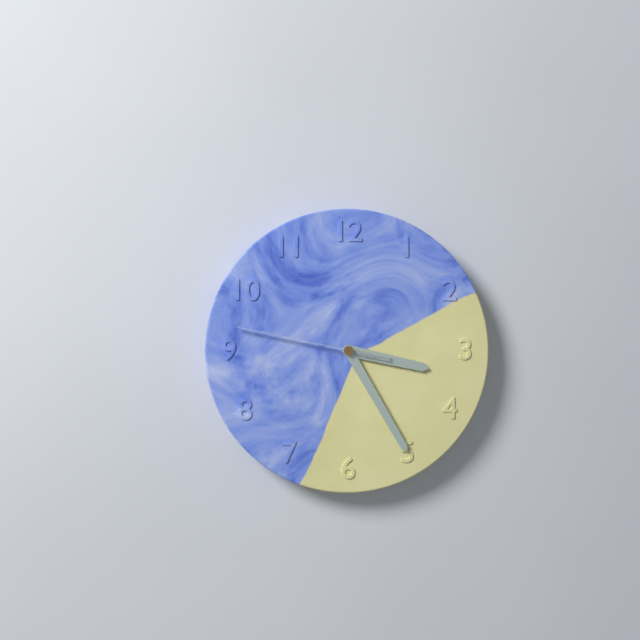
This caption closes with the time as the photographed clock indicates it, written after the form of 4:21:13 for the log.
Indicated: 3:25:47
